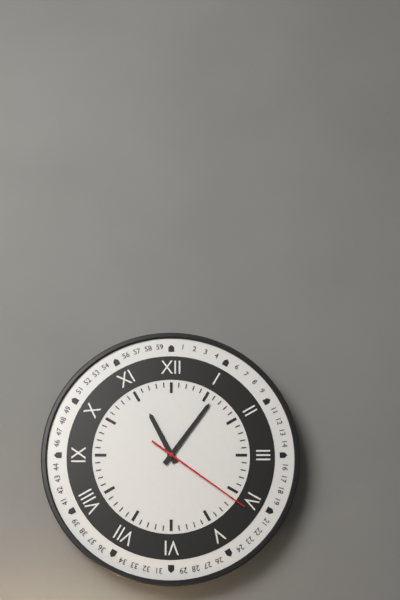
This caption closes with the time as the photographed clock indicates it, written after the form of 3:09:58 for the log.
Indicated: 11:06:21
